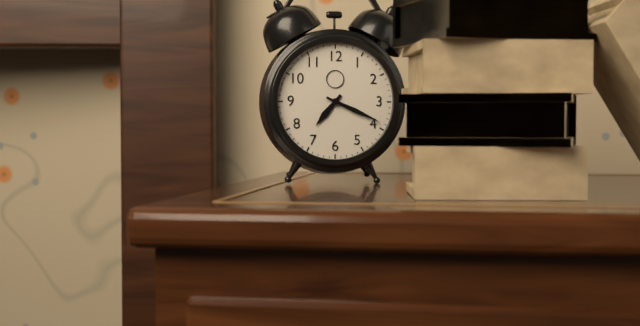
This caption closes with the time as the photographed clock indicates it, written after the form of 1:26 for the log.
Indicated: 7:19
